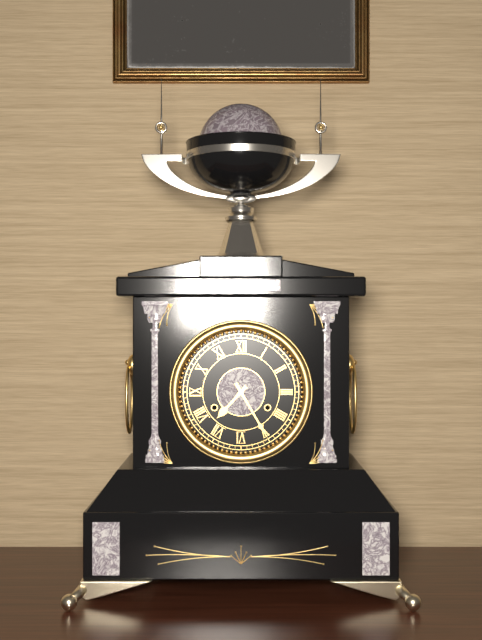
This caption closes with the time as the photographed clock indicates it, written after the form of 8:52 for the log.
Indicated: 7:25
